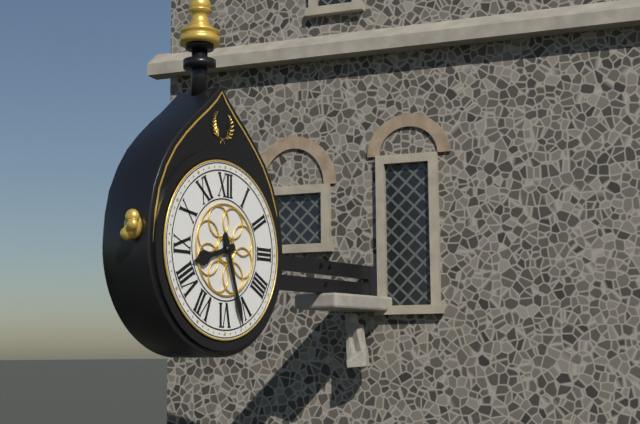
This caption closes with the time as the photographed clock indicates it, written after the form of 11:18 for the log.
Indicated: 8:27
